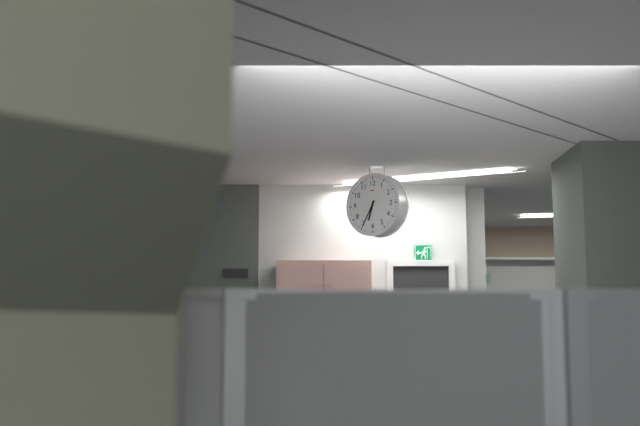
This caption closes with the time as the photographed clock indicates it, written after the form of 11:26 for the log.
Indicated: 6:35
